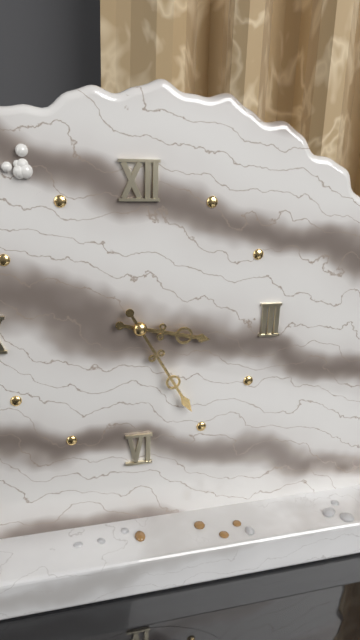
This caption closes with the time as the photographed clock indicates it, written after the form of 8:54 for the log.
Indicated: 3:25
